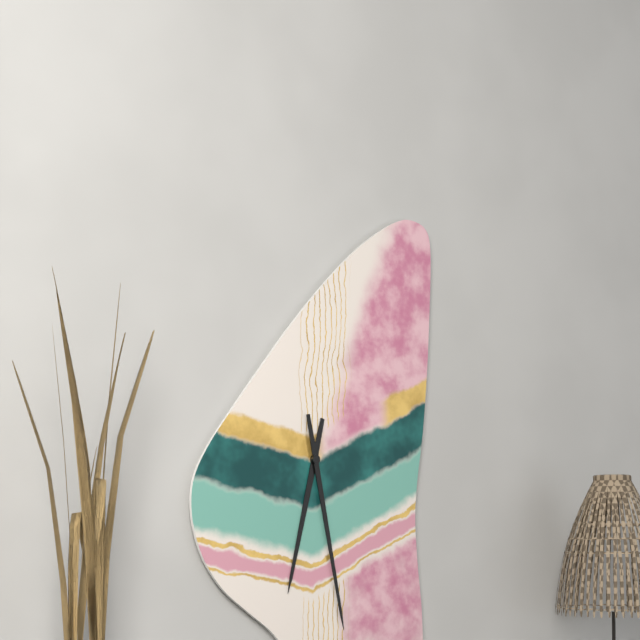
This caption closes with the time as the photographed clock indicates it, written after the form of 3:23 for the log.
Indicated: 6:28
